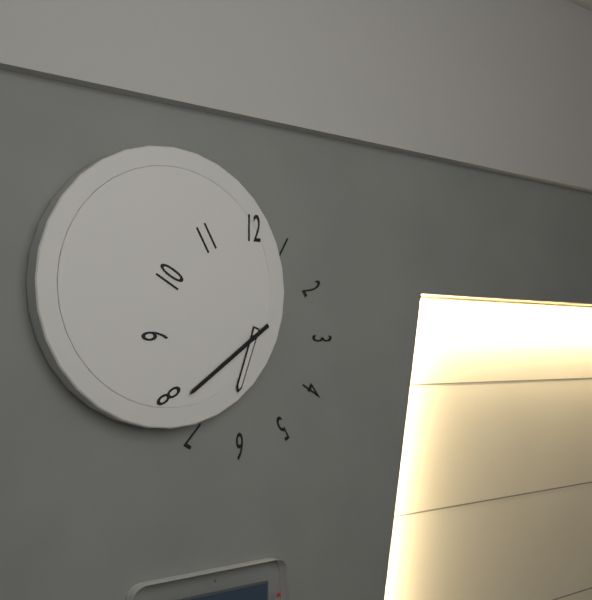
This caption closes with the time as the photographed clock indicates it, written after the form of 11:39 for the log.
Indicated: 6:39
